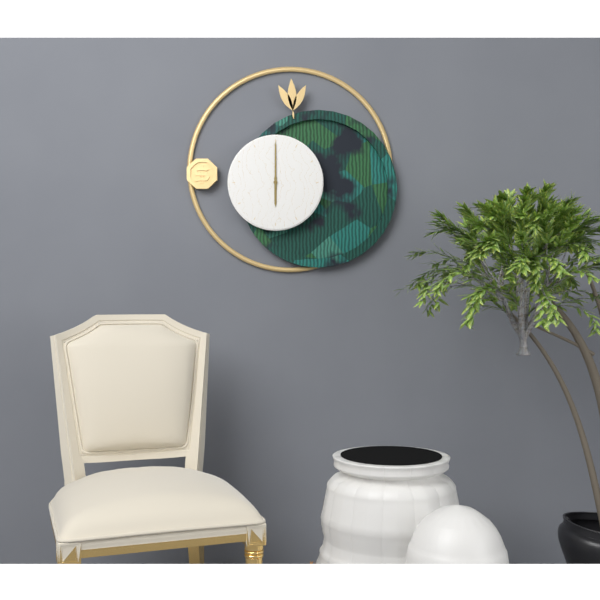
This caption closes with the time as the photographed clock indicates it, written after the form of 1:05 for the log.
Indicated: 6:00
